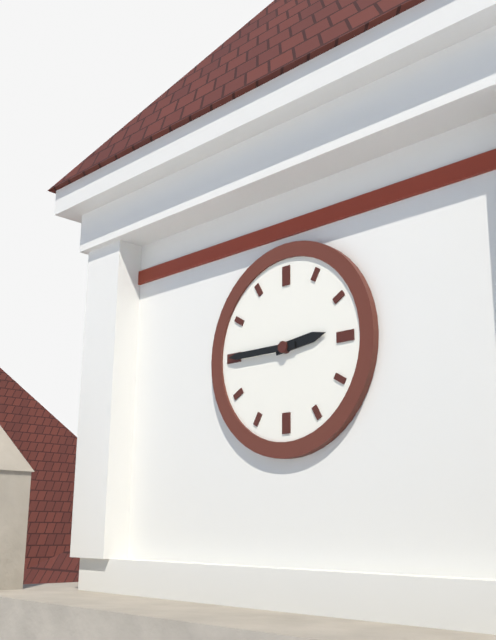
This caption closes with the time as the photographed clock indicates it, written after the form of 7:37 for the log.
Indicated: 2:45
